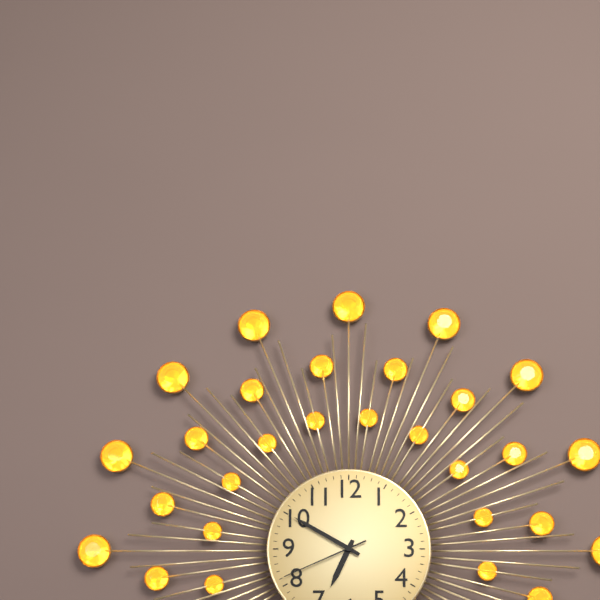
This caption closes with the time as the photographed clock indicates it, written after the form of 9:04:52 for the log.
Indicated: 6:50:41
